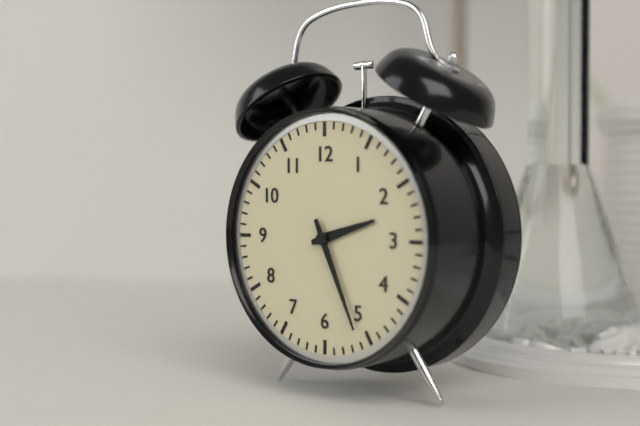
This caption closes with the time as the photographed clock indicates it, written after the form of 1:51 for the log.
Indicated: 2:26
